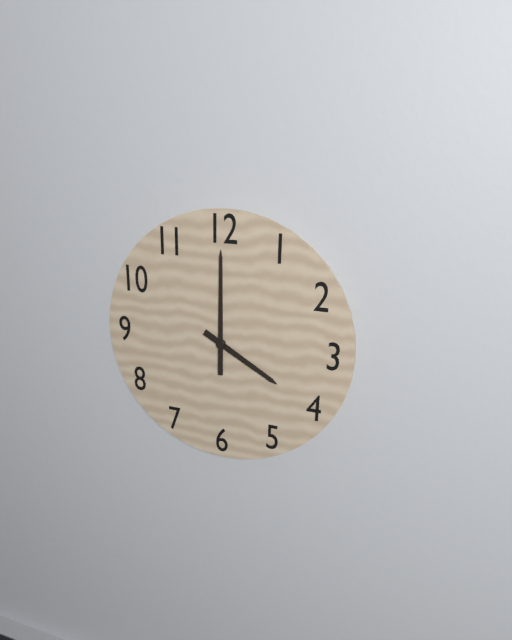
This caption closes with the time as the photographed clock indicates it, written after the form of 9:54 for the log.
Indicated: 4:00
